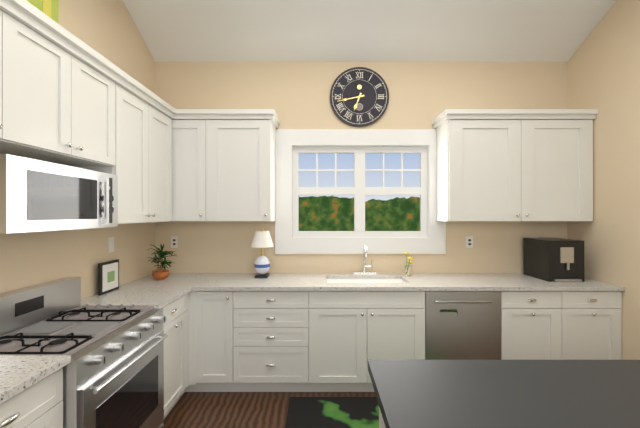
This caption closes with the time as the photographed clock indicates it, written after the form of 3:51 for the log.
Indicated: 6:43
